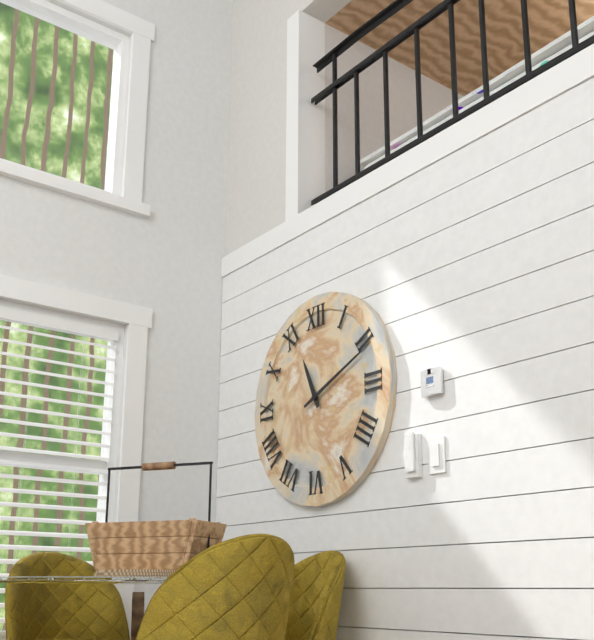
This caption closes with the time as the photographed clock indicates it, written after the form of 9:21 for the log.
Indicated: 11:11
